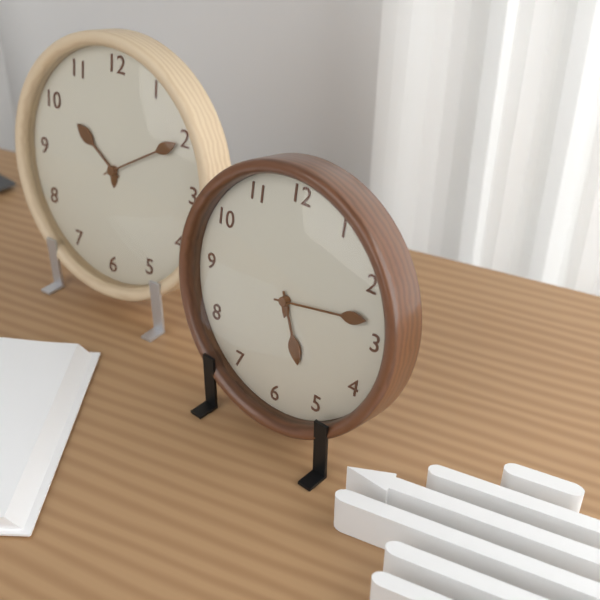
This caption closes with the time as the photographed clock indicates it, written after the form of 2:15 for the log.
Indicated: 5:13
